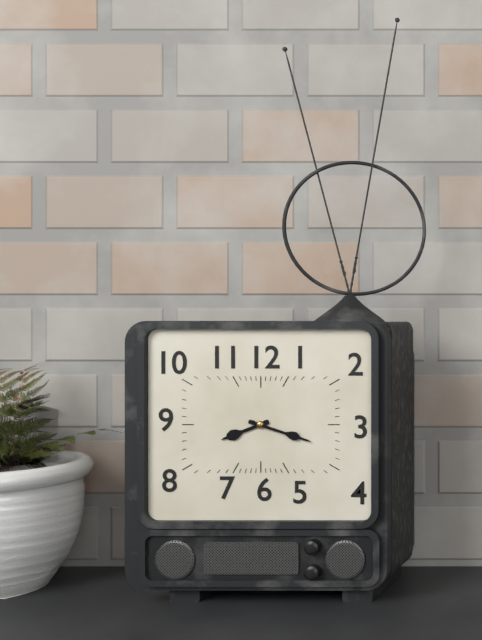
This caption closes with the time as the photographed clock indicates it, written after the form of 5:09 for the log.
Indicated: 8:18
